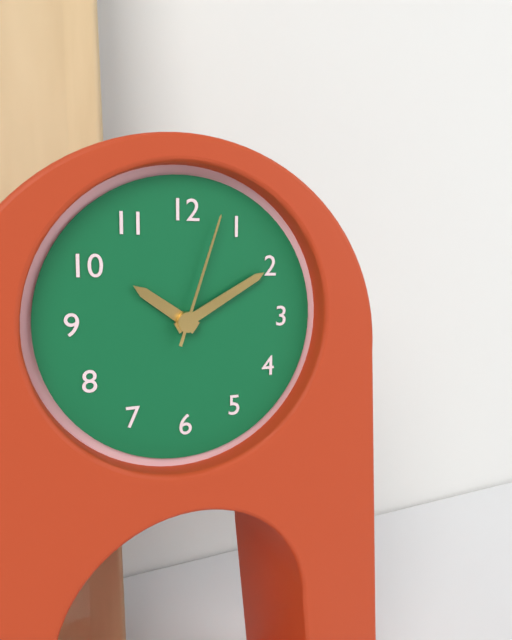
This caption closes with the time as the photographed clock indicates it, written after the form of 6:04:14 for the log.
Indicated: 10:10:03
